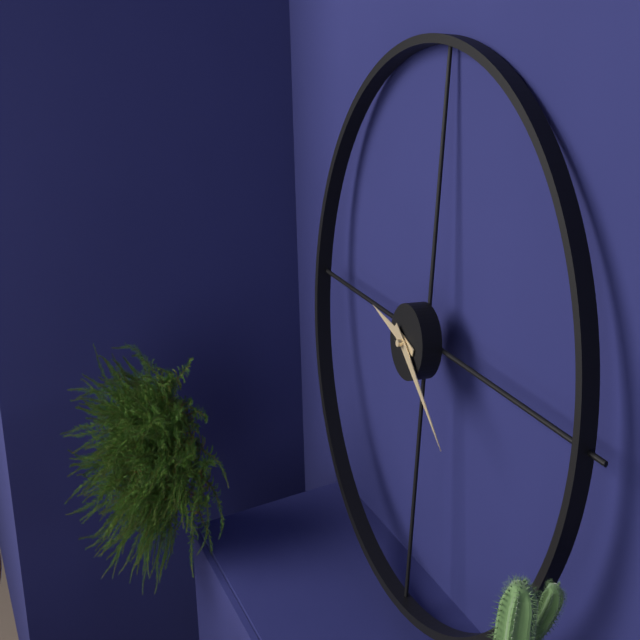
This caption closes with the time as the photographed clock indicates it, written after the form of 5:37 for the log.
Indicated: 9:21
